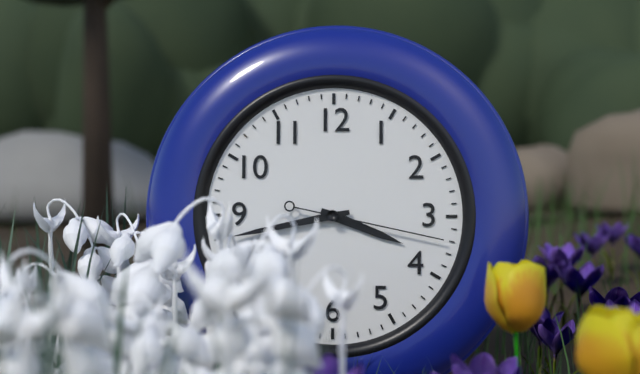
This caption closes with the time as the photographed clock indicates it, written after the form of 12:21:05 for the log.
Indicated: 3:43:17
